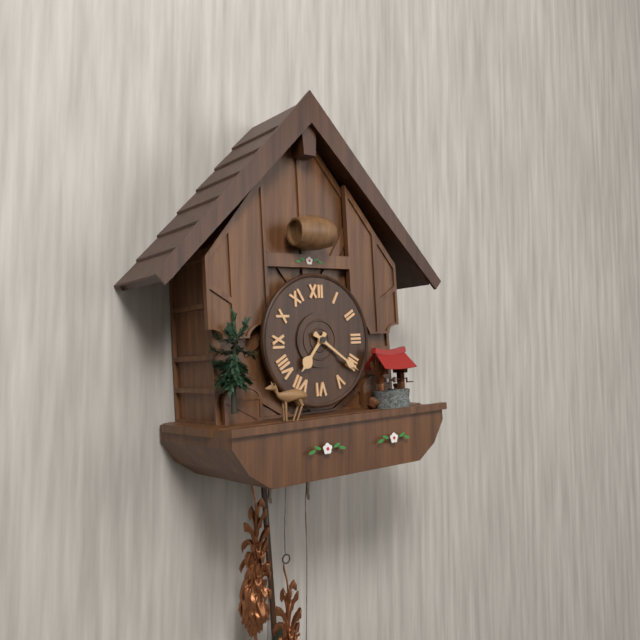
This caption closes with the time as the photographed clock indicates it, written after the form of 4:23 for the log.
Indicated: 7:21
